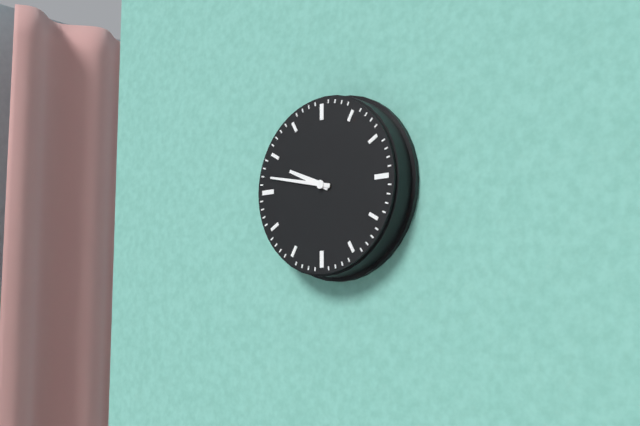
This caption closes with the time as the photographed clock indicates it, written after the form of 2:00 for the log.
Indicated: 9:47
